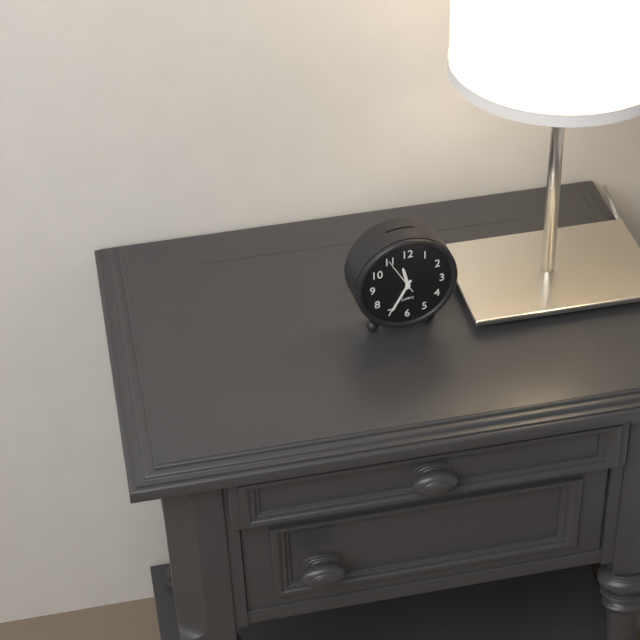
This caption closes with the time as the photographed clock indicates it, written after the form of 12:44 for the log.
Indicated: 11:35
